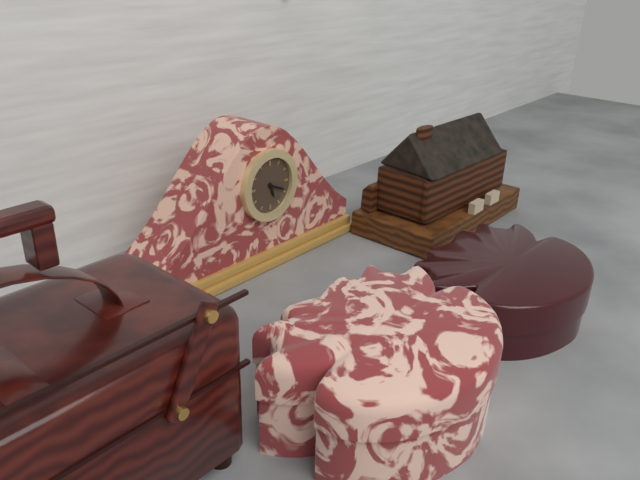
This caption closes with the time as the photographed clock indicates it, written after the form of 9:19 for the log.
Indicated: 5:19
